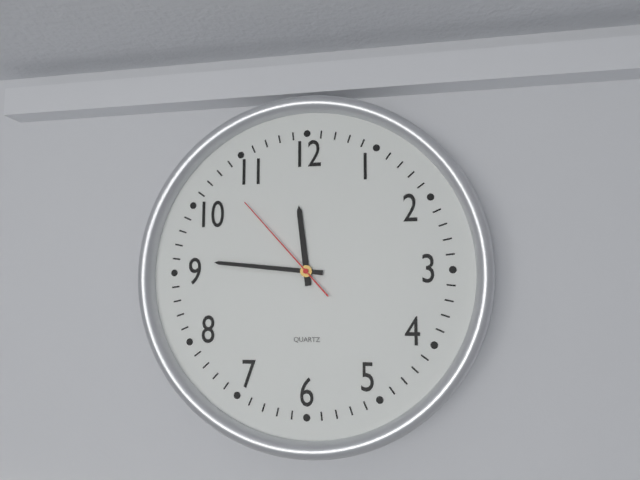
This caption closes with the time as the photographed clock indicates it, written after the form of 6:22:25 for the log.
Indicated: 11:46:53
